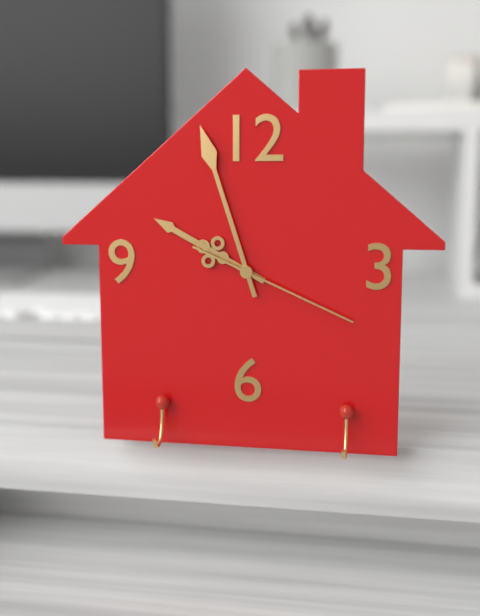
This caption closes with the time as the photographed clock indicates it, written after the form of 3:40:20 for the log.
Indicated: 9:57:19
